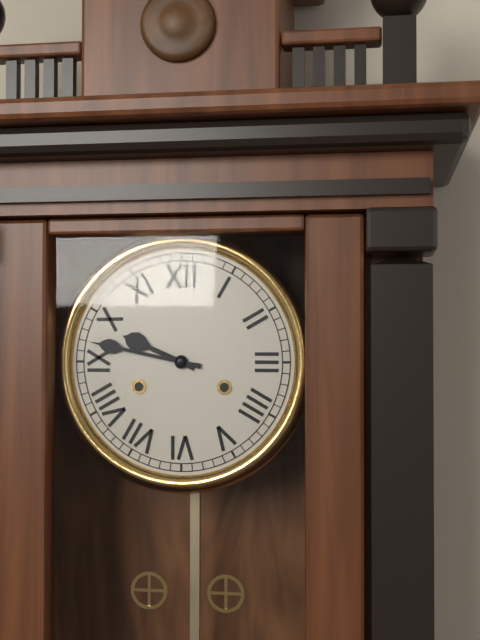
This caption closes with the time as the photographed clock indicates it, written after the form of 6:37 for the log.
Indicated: 9:47
